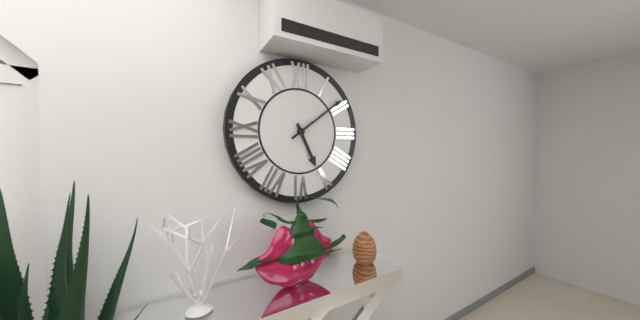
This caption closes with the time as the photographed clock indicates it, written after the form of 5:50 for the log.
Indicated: 5:09
